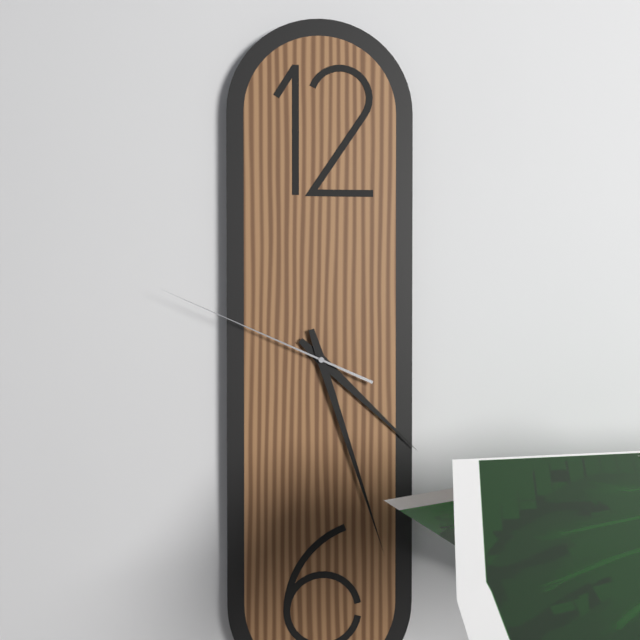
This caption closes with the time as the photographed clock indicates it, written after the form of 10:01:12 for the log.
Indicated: 4:27:49
